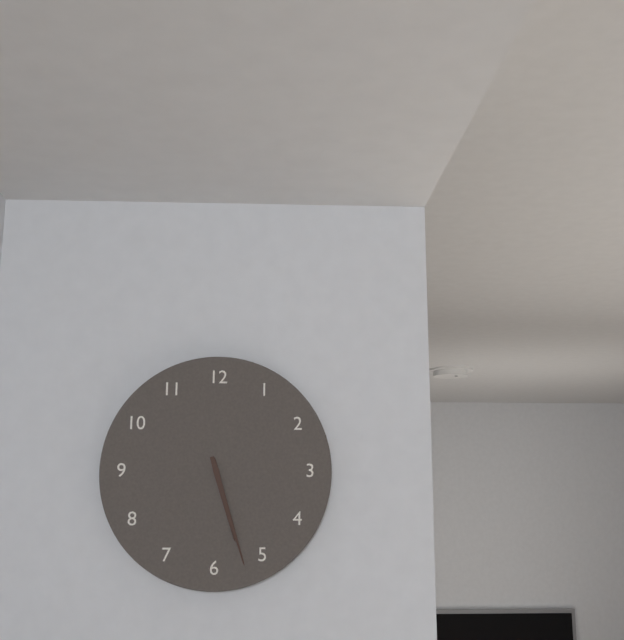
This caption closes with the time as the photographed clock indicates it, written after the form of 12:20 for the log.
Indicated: 5:27
